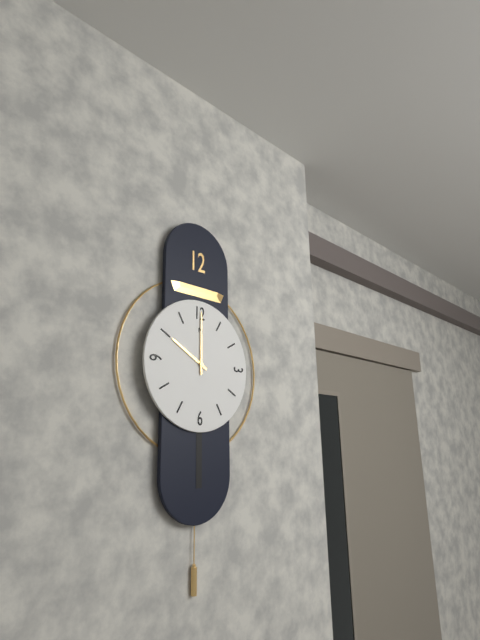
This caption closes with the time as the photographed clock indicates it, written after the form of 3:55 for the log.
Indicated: 10:00
